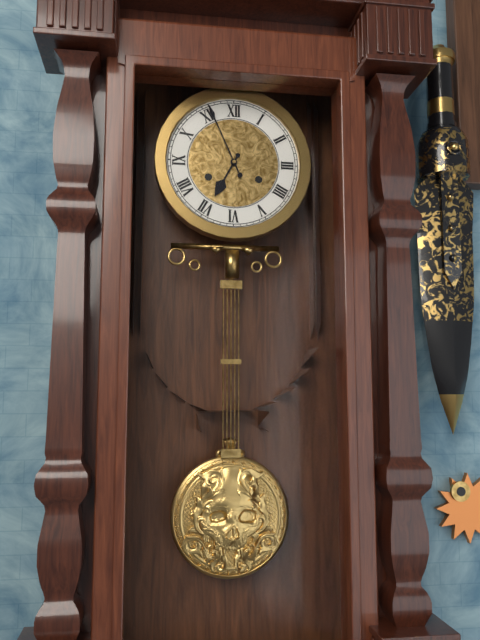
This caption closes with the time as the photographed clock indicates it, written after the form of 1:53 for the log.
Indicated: 6:56
